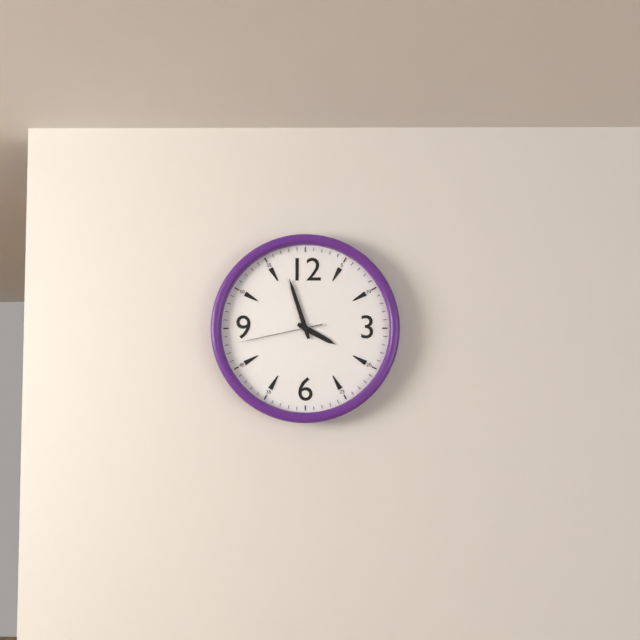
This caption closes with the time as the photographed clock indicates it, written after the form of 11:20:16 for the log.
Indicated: 3:57:43
